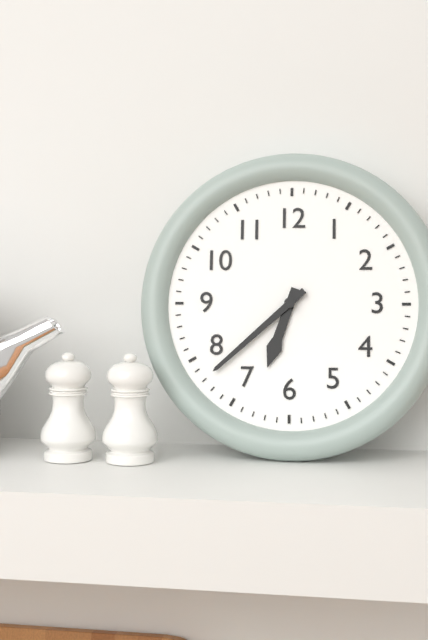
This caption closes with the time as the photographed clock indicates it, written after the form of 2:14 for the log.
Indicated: 6:38
